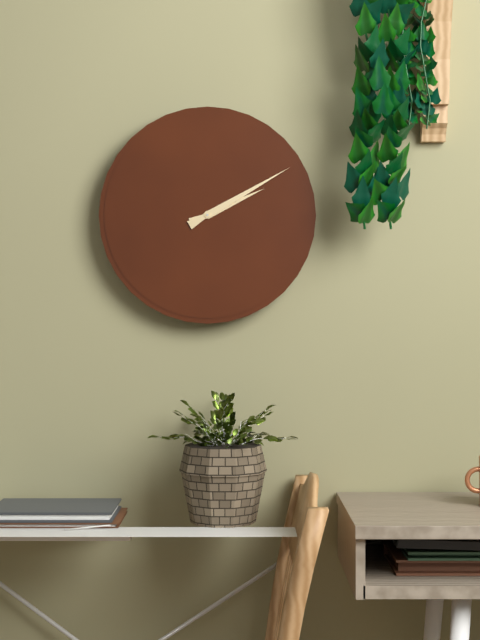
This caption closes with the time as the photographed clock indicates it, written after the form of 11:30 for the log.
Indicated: 2:10
